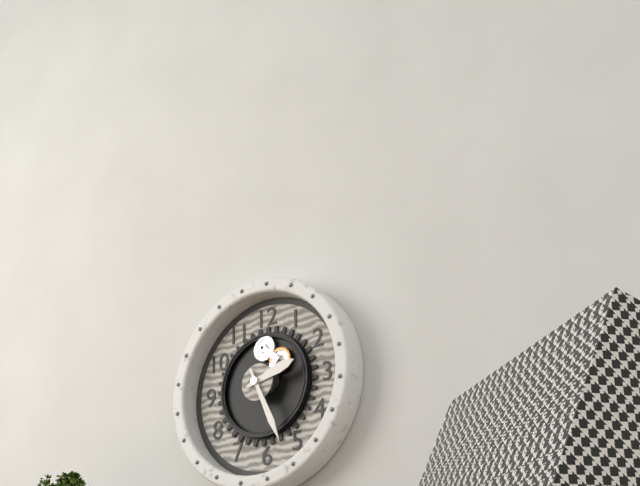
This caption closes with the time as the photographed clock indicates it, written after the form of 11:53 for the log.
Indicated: 2:26
